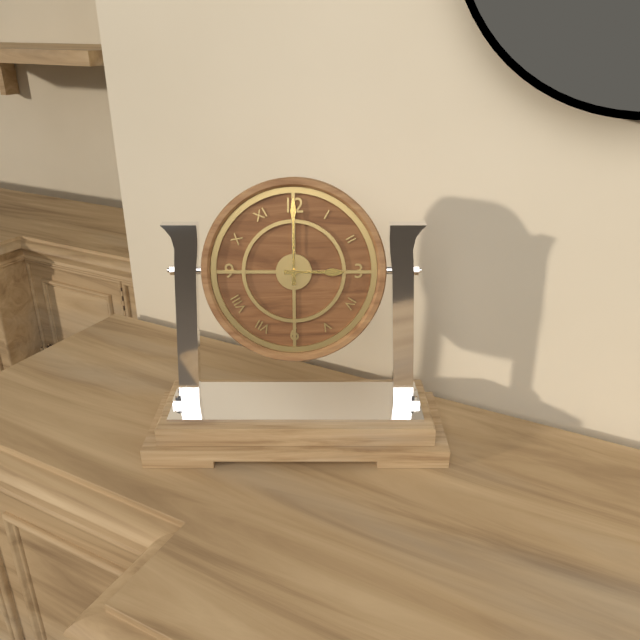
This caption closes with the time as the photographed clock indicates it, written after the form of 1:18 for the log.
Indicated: 3:00
